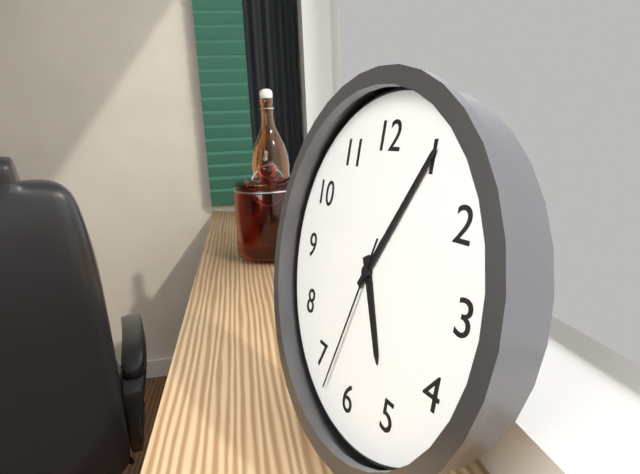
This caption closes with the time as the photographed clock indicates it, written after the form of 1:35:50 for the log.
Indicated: 5:05:33
